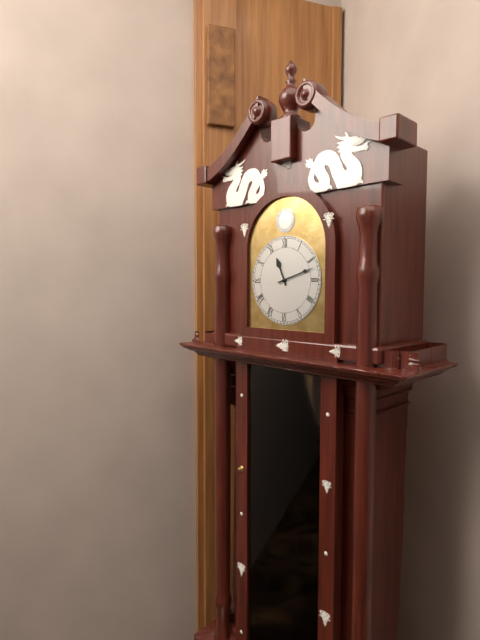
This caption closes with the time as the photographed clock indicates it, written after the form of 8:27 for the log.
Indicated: 11:12
